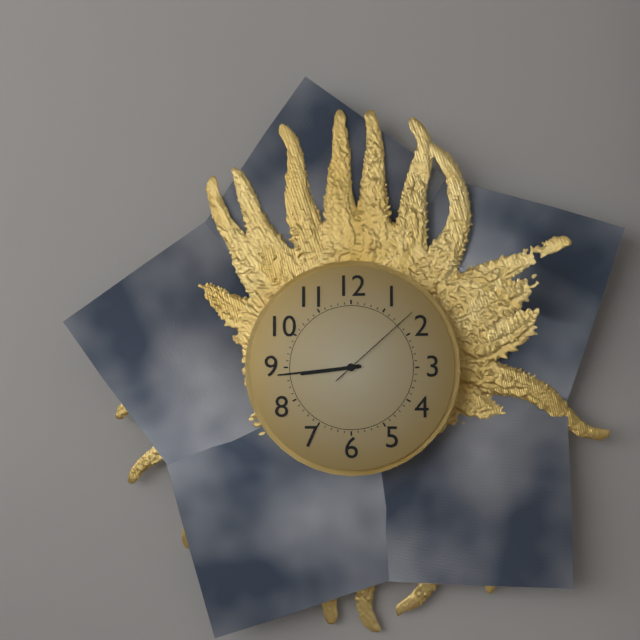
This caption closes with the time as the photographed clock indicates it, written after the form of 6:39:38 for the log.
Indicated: 8:44:08
